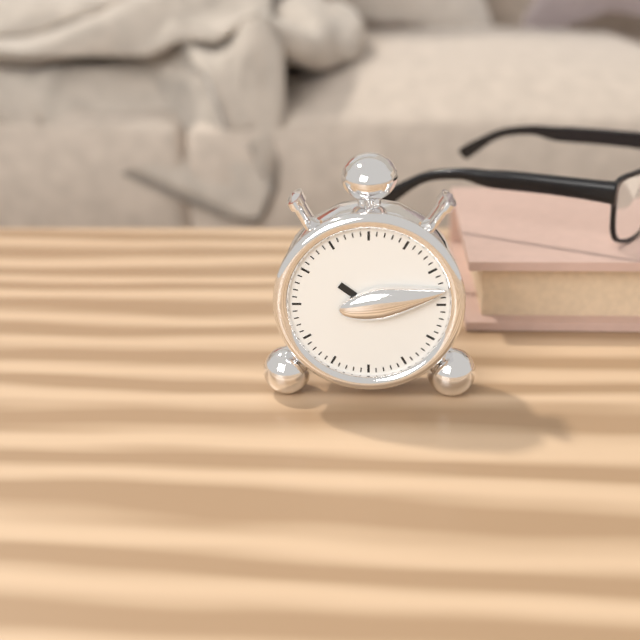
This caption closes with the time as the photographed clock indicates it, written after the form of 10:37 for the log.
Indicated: 10:13
